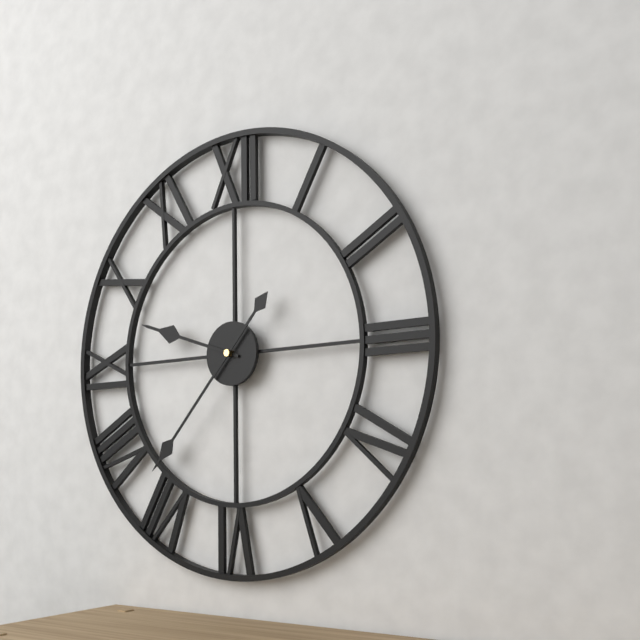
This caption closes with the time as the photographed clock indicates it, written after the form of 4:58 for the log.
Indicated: 9:37
